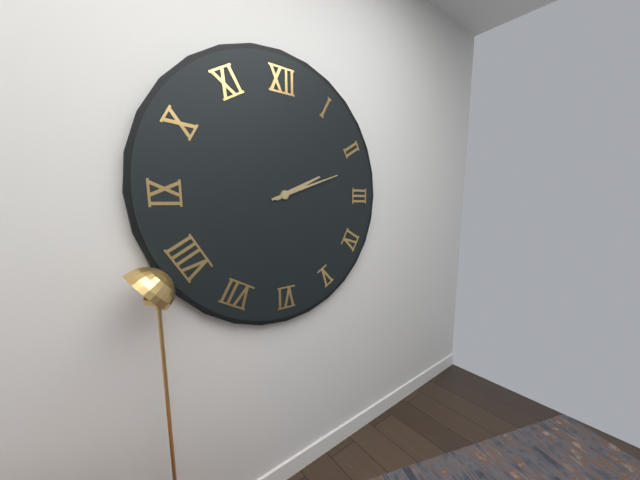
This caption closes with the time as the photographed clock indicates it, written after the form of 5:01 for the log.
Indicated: 2:12
